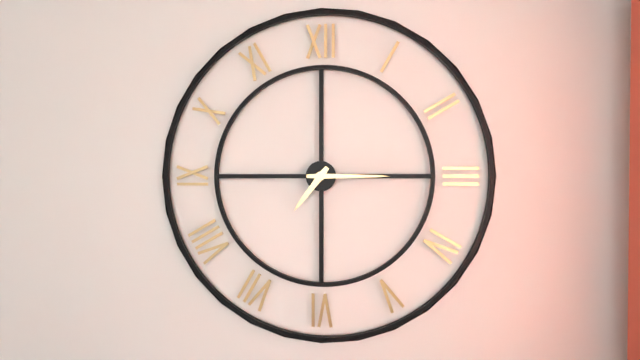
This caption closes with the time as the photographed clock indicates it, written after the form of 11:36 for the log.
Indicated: 7:15
